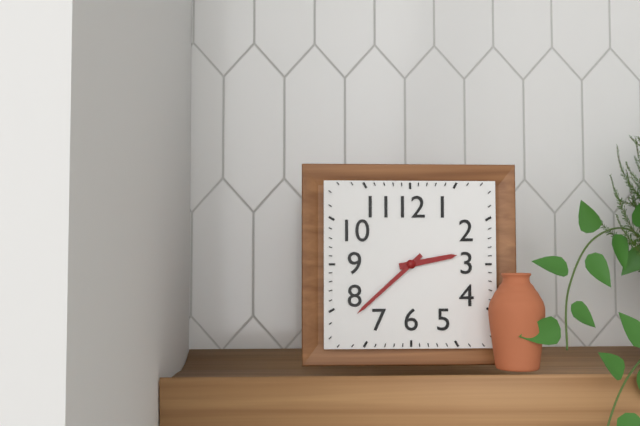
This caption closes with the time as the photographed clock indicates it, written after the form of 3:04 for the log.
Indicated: 2:38
